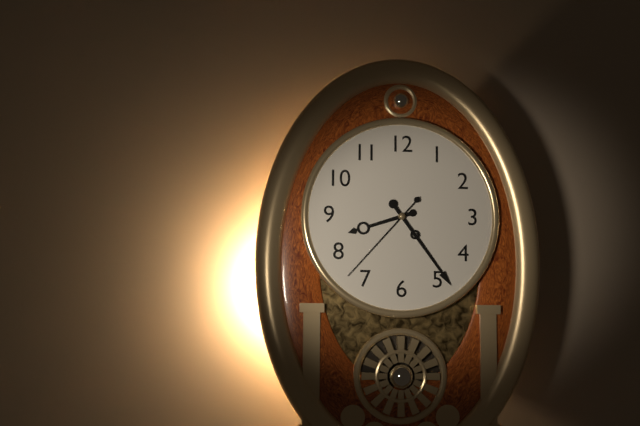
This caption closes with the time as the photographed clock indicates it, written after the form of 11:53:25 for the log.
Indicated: 8:24:37
